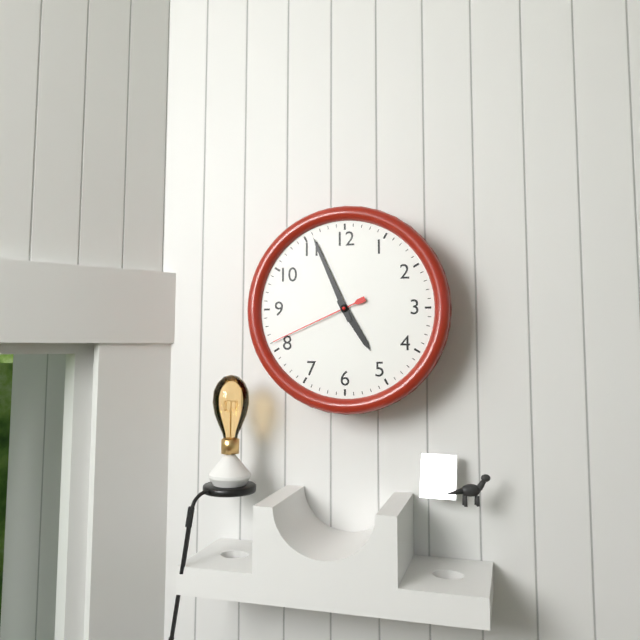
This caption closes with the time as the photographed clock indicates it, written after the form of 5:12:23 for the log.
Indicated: 4:56:41
